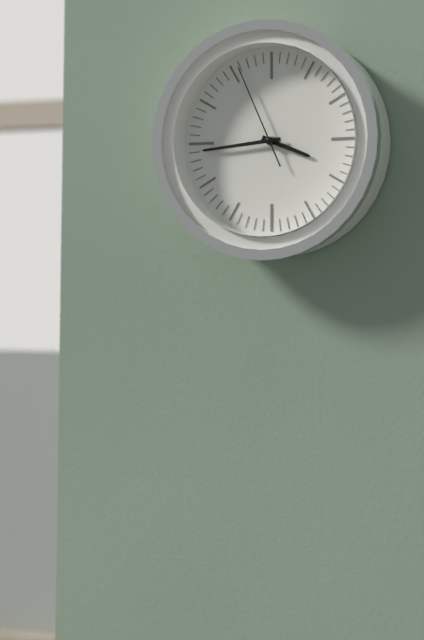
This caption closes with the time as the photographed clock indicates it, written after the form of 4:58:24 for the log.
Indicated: 3:44:56
